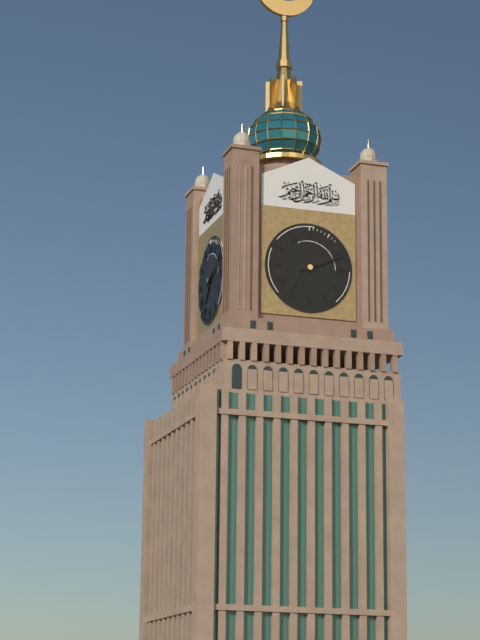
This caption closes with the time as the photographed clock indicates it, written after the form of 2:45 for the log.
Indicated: 7:11
